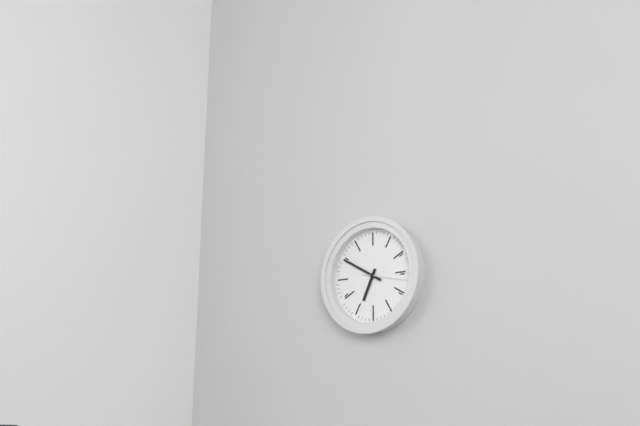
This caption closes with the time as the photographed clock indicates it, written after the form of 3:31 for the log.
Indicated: 6:50
